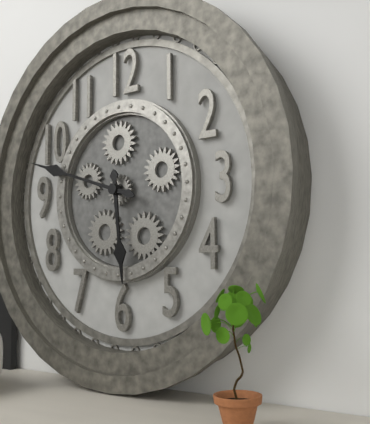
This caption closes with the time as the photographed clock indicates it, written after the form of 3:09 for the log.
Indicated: 5:48
